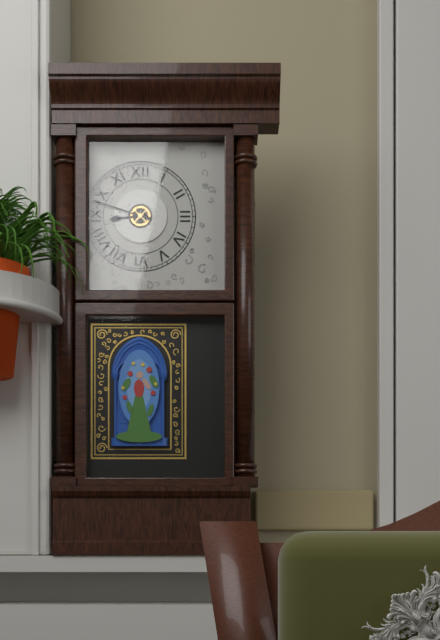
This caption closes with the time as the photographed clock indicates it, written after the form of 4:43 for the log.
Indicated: 8:48
